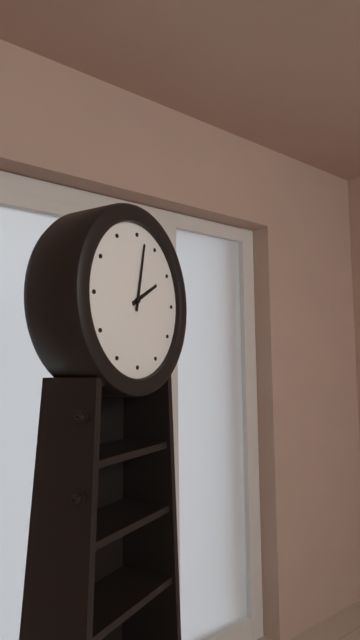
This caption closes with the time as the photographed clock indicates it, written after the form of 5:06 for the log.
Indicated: 2:02
